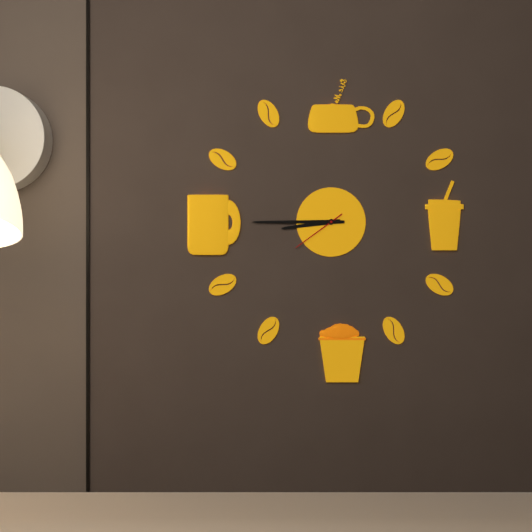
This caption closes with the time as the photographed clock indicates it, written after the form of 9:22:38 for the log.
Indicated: 8:45:39
